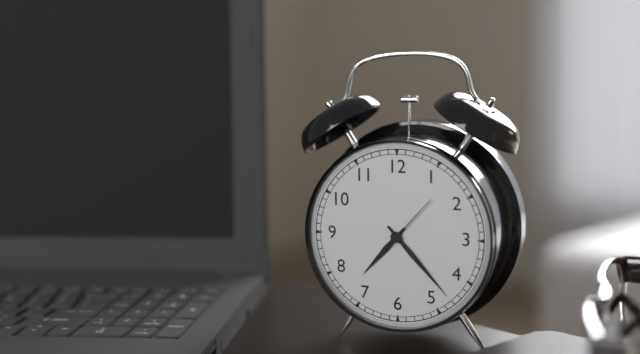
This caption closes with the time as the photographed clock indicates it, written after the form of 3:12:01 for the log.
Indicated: 7:23:07
